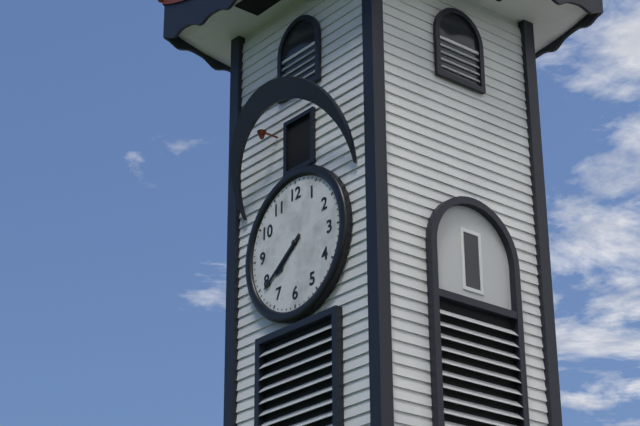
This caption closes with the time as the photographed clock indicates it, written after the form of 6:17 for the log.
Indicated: 7:39
